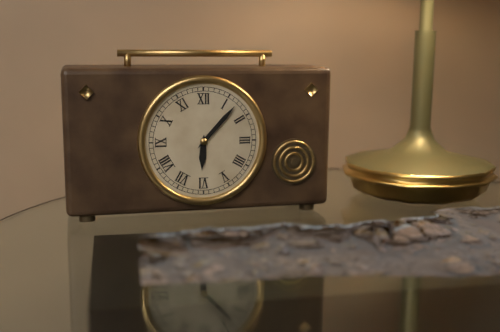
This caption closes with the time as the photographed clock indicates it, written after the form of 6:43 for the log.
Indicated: 6:07
